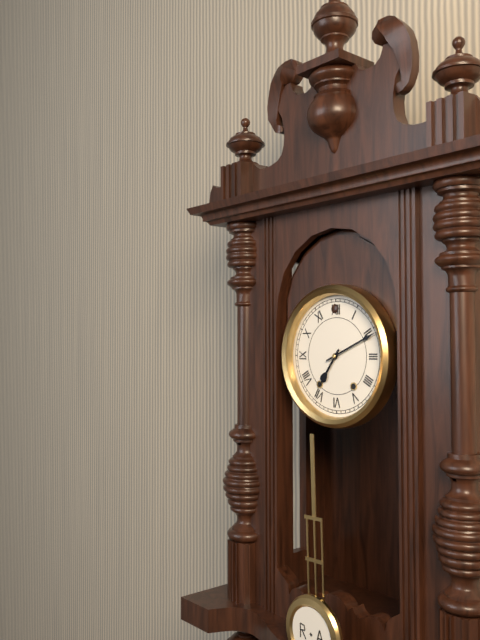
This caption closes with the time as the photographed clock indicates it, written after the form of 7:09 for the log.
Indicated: 7:11
